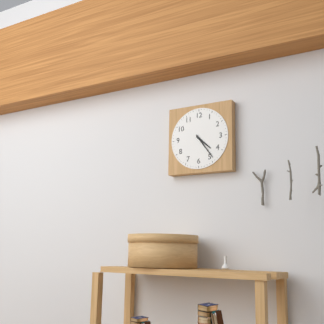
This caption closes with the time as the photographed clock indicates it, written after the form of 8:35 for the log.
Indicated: 4:24
